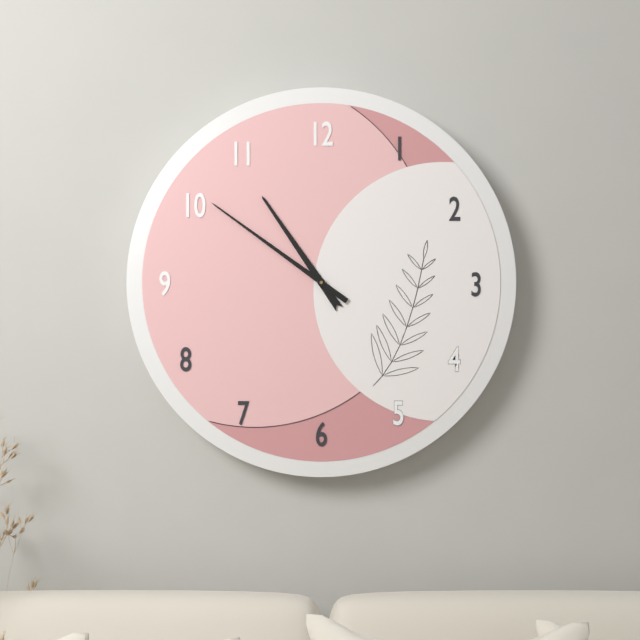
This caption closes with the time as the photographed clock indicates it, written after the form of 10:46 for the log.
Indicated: 10:51
